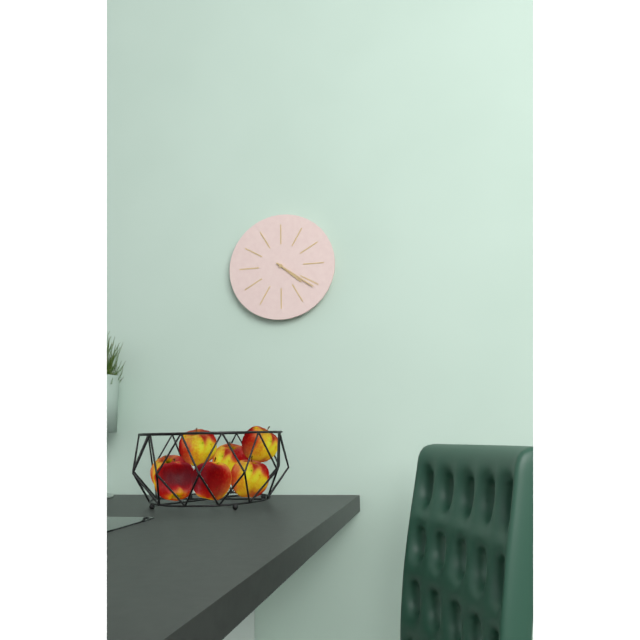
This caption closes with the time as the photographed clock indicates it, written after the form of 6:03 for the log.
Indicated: 4:21
